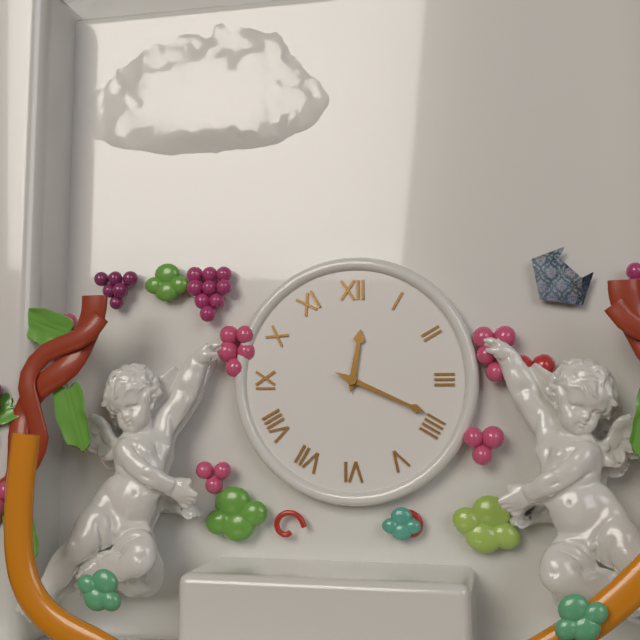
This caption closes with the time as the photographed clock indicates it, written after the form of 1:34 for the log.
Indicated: 12:19
